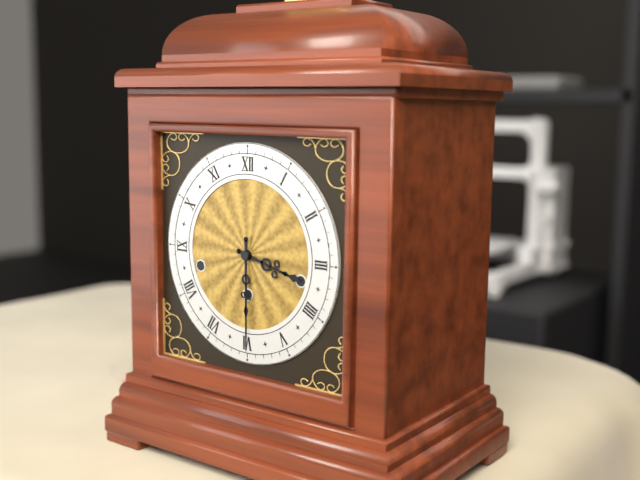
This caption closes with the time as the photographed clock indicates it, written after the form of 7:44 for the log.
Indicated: 3:30
